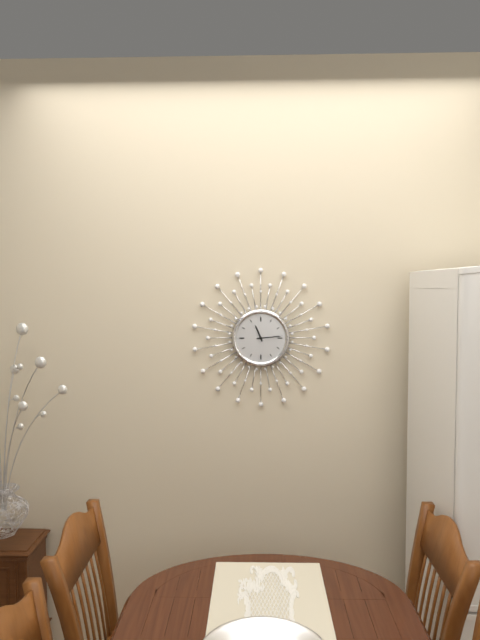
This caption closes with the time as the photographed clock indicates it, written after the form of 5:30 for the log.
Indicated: 11:14
